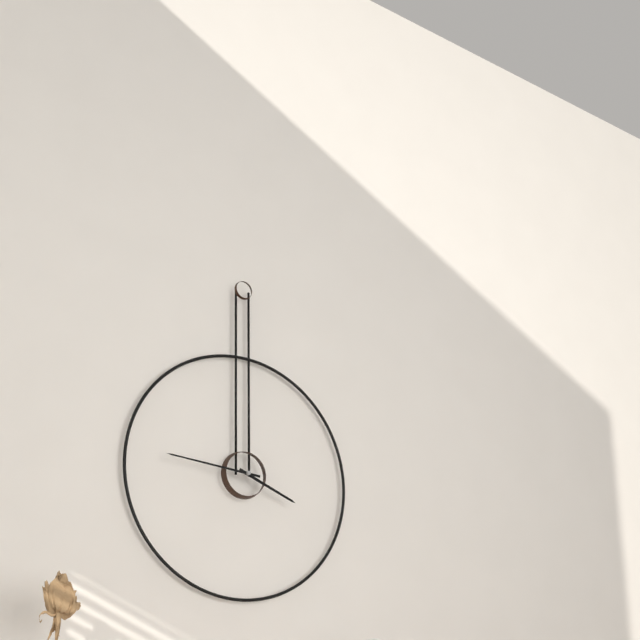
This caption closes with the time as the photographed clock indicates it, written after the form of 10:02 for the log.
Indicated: 3:46
